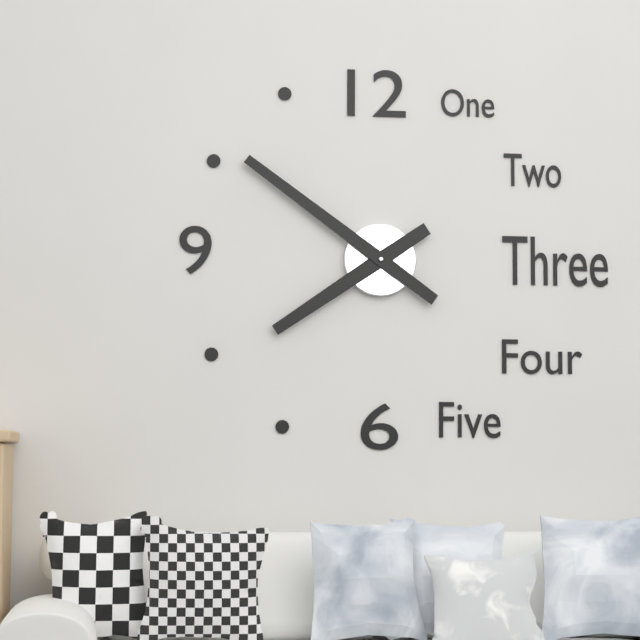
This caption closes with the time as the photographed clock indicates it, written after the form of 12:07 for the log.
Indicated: 7:51
